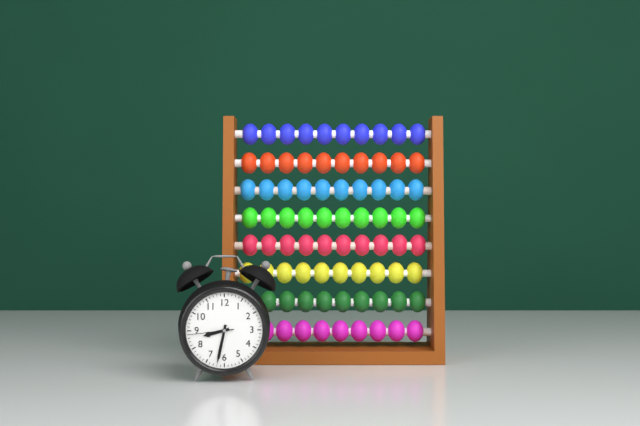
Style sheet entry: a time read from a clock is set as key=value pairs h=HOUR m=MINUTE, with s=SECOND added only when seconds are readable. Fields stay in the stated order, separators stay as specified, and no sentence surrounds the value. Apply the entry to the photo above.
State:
h=8 m=32
